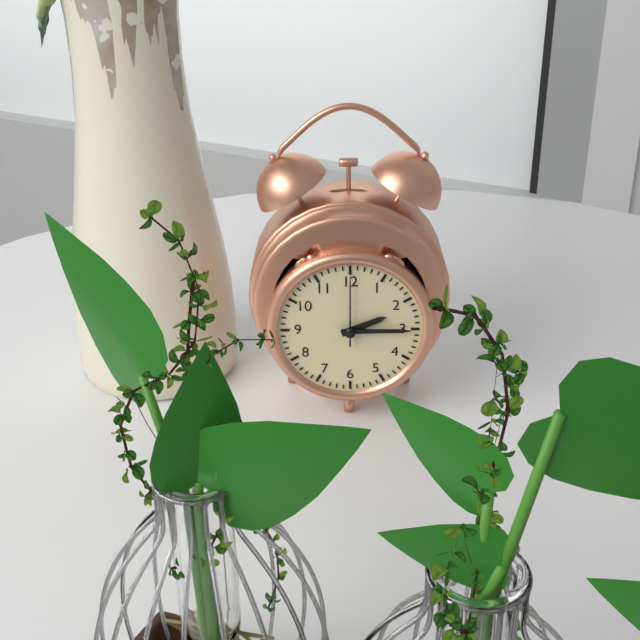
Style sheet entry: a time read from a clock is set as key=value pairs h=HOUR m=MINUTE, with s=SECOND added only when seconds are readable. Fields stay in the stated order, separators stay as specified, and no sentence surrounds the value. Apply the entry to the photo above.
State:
h=2 m=15 s=0
